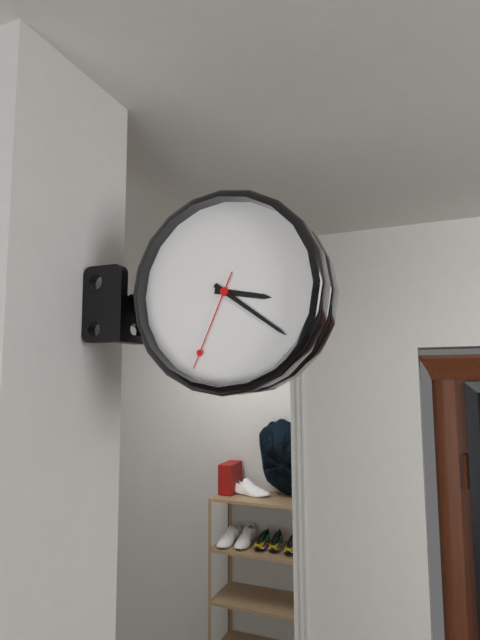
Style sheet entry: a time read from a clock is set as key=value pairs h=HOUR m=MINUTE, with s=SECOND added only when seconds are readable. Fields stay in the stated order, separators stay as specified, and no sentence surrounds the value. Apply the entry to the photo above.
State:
h=3 m=21 s=34
